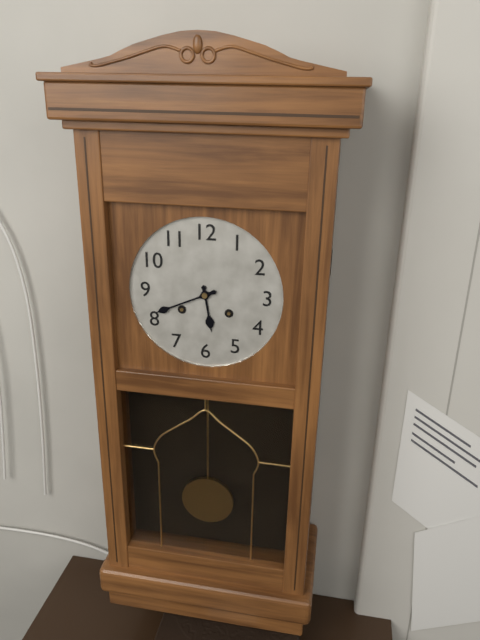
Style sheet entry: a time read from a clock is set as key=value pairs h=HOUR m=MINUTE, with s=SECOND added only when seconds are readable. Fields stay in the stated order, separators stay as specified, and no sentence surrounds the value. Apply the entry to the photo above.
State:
h=5 m=41
